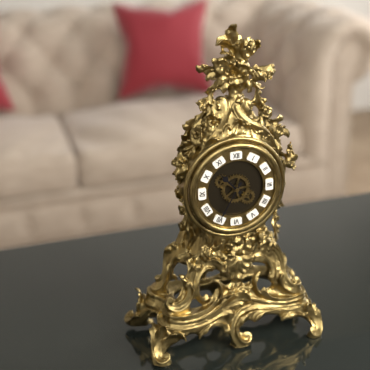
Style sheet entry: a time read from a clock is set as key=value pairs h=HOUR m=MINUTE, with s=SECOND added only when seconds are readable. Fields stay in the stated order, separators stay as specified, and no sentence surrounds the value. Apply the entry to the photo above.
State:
h=10 m=35
